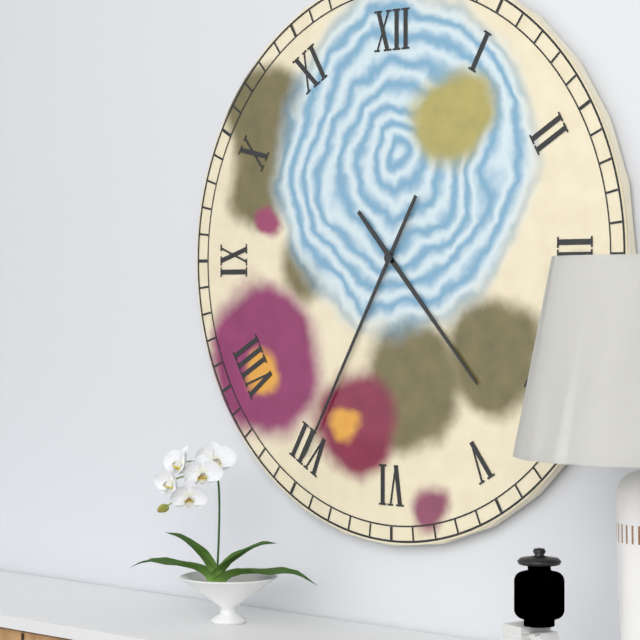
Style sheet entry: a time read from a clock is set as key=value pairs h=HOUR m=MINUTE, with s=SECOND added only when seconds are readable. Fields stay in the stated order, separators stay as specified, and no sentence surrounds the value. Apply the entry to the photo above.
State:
h=4 m=35
